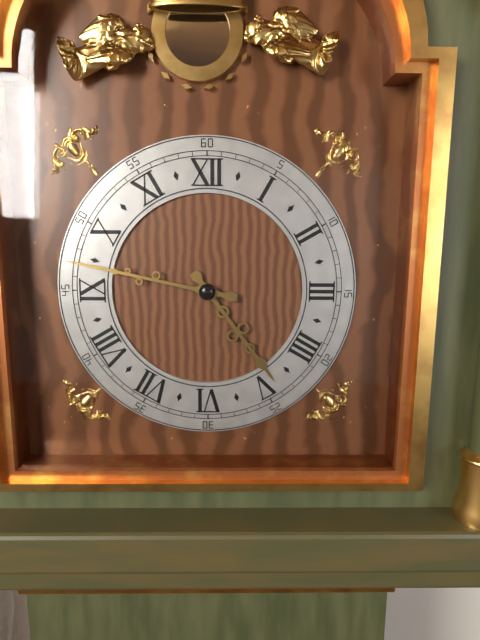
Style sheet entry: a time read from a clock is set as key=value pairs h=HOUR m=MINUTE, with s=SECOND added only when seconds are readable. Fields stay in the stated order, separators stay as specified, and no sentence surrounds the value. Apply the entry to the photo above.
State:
h=4 m=47
